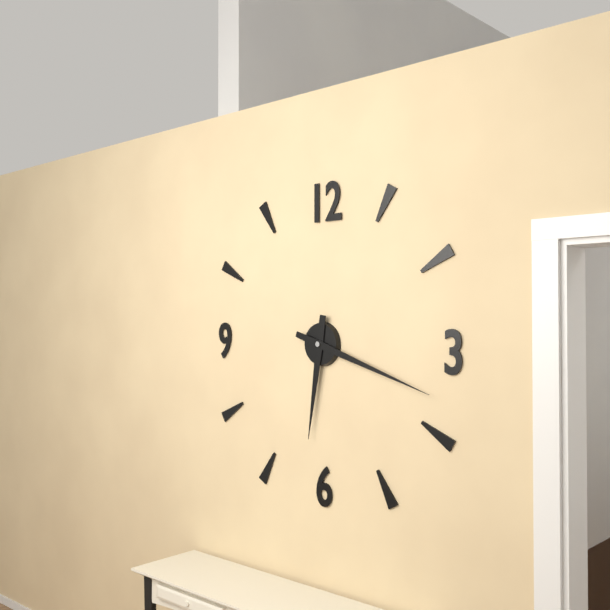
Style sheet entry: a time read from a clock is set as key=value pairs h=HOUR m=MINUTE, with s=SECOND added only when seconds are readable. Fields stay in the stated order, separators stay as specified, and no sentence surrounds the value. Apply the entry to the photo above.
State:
h=6 m=18
